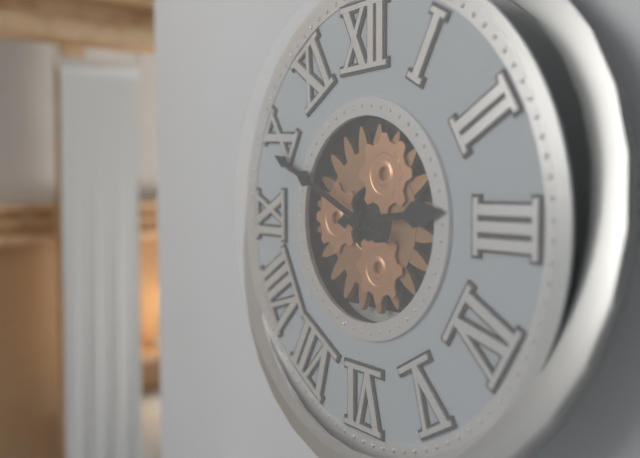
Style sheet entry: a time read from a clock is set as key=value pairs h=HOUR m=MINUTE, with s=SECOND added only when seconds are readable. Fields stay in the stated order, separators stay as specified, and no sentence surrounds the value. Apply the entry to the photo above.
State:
h=2 m=49
